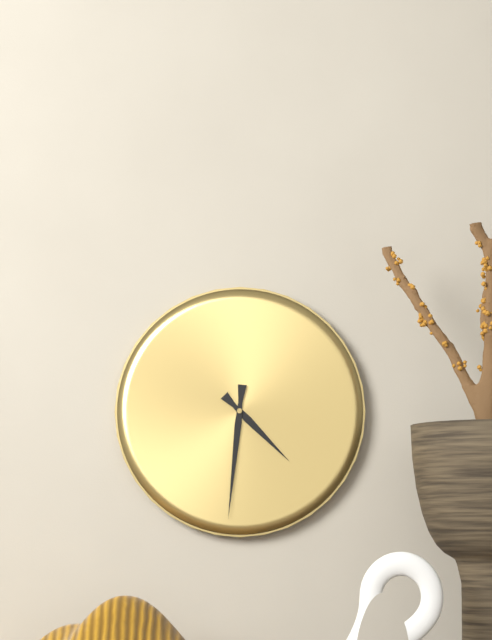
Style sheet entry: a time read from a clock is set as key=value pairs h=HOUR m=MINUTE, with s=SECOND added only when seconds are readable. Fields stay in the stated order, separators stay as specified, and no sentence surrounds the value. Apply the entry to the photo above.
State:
h=4 m=31
